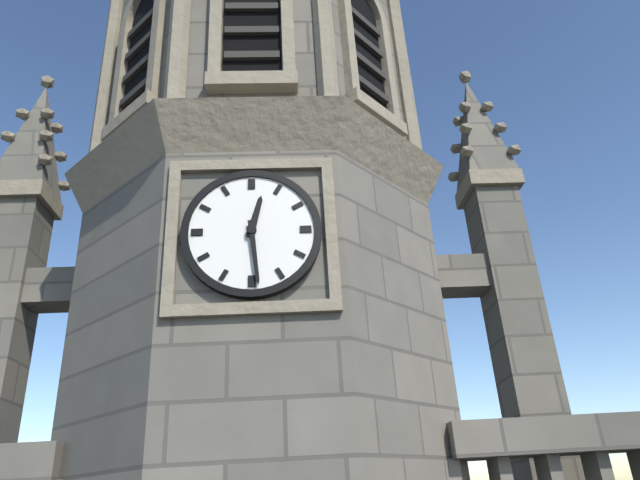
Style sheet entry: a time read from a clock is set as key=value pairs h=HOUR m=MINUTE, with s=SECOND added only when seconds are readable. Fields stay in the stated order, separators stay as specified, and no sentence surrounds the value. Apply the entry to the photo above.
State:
h=12 m=29
